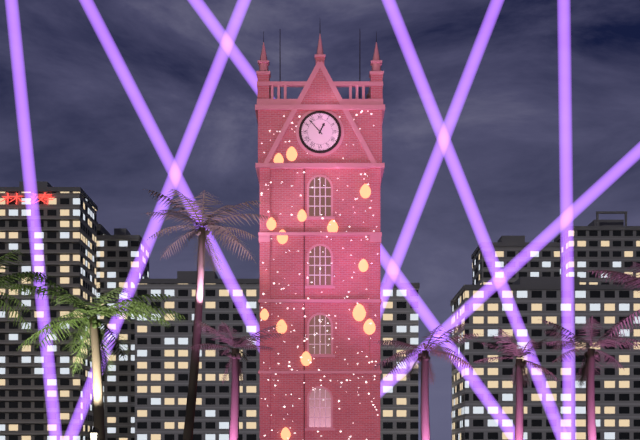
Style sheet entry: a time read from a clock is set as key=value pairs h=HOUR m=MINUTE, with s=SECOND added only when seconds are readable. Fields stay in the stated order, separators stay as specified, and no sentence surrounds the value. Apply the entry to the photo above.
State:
h=12 m=53
